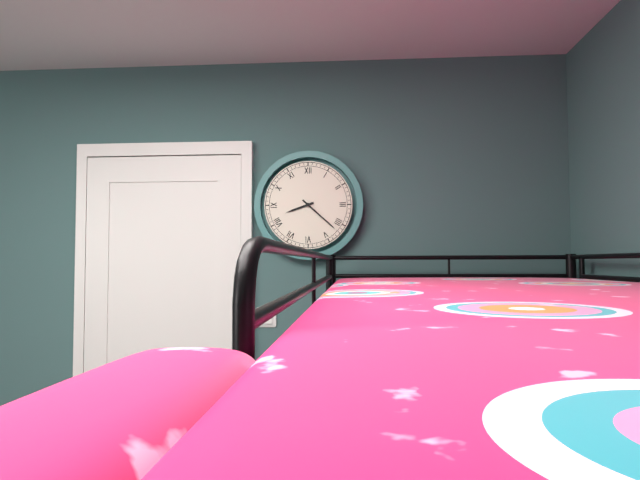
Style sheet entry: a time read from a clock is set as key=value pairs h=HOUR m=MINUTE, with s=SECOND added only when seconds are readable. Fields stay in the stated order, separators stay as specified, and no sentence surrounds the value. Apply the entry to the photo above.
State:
h=8 m=22
